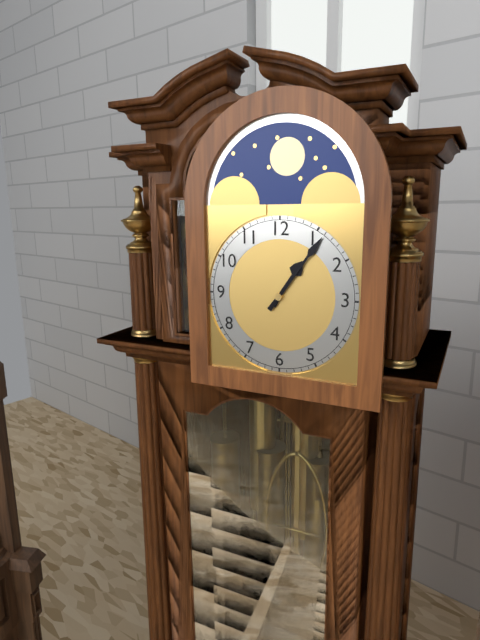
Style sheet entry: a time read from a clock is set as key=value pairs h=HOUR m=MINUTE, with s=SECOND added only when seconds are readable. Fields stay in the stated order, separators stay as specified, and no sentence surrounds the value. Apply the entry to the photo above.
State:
h=1 m=6
